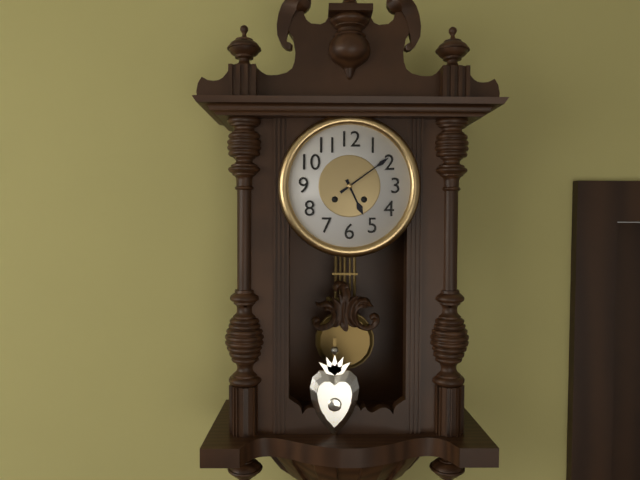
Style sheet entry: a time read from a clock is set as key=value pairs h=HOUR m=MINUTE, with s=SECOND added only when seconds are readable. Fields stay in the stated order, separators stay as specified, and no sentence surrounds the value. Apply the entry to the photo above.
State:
h=5 m=9
